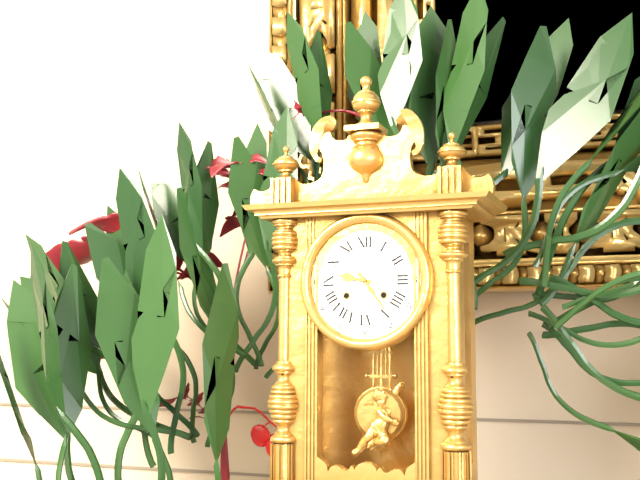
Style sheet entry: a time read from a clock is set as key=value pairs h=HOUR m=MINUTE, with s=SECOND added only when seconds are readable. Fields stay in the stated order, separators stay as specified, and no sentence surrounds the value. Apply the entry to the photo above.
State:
h=9 m=24
